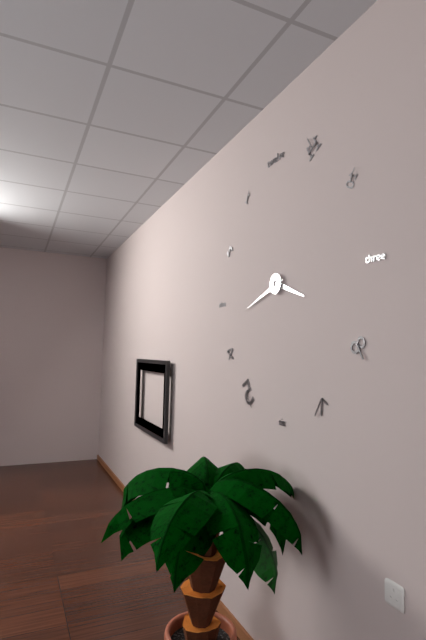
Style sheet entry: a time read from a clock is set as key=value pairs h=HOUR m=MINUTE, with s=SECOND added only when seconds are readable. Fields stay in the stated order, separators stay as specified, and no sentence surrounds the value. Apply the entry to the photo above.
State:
h=3 m=42
